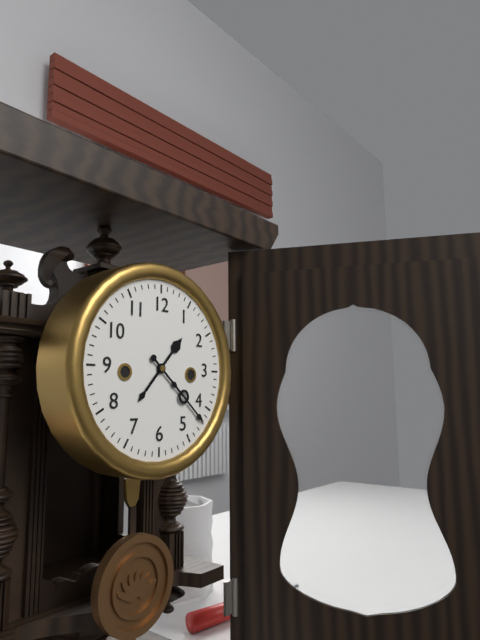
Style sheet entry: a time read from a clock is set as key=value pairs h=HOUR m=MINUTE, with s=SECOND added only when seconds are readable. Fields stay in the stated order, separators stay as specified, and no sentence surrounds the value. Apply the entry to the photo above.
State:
h=1 m=22
